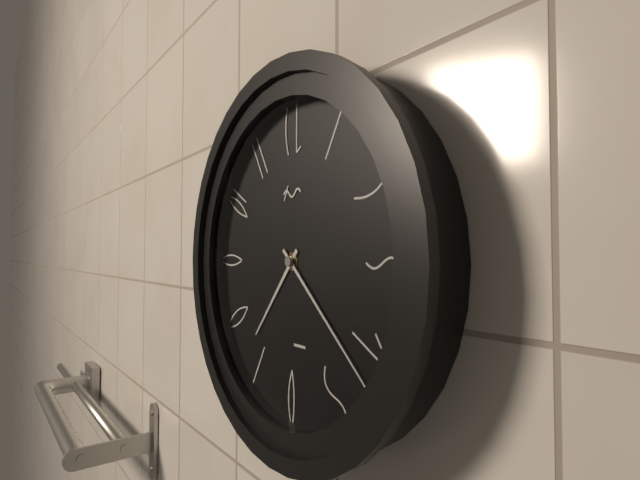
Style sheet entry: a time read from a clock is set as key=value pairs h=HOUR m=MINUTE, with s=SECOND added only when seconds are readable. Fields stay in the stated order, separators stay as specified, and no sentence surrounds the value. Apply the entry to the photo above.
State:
h=7 m=22
